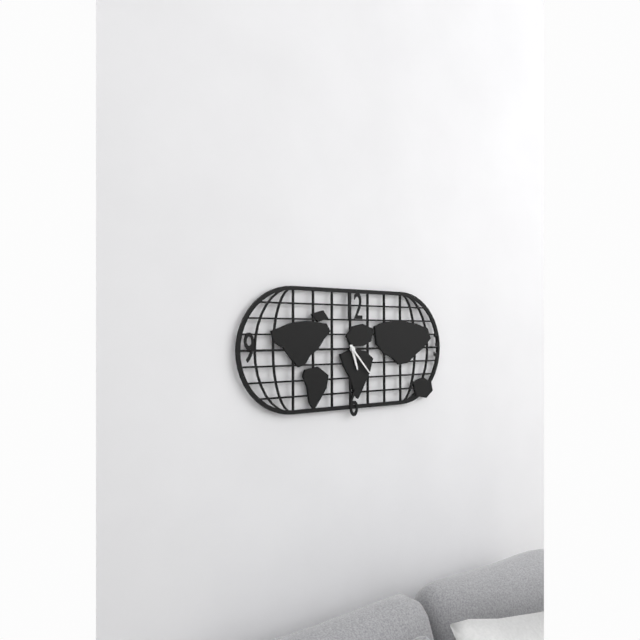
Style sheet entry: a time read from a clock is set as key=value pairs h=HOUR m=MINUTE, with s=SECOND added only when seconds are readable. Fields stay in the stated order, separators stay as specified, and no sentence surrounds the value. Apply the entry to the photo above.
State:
h=5 m=23
